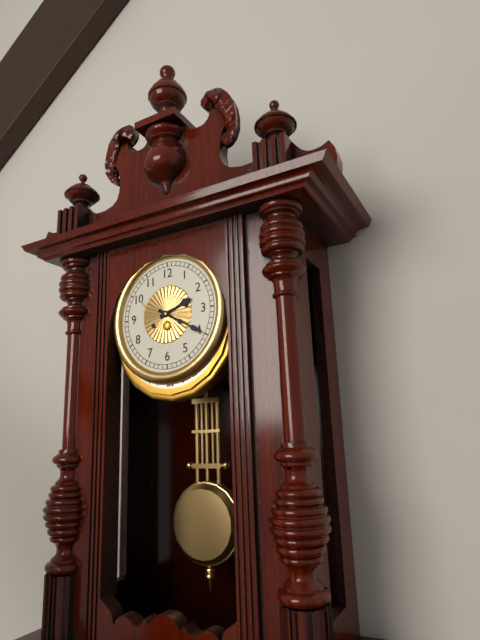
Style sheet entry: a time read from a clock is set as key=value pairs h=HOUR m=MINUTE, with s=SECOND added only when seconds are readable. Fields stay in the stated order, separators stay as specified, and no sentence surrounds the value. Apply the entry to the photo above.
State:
h=2 m=20
